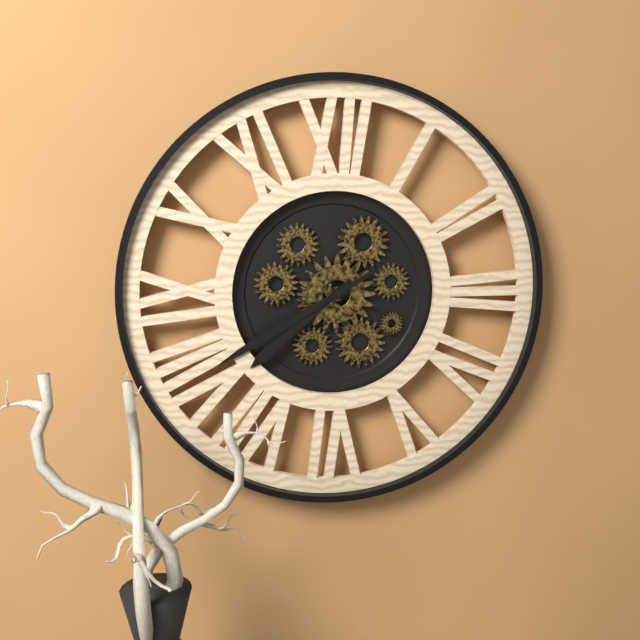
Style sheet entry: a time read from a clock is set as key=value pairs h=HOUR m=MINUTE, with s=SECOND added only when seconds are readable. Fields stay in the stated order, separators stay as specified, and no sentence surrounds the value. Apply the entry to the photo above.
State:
h=7 m=40
